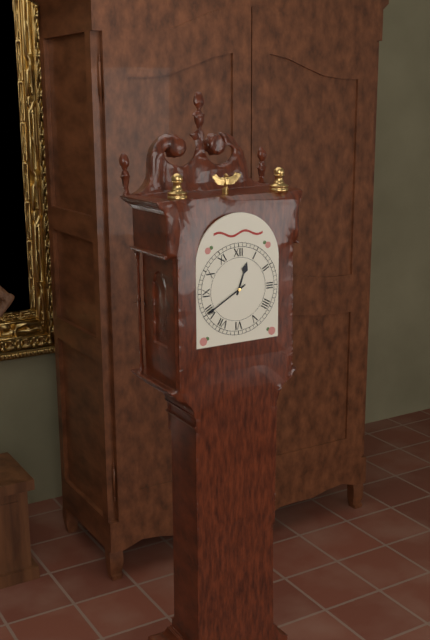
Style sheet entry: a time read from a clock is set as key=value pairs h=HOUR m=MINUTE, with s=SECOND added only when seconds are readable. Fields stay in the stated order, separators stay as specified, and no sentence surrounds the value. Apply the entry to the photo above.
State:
h=12 m=40
